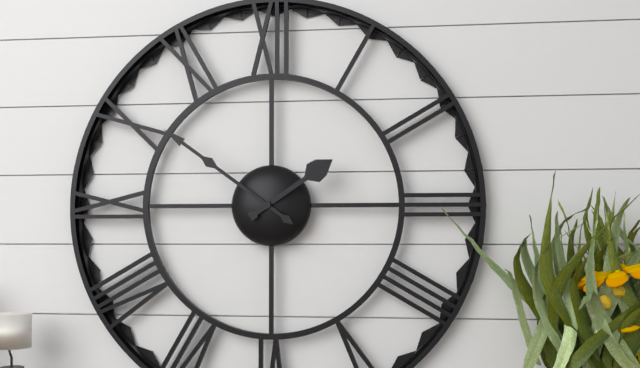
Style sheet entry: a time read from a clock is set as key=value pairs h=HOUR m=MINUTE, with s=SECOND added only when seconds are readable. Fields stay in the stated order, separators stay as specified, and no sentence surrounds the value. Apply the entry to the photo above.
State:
h=1 m=51
